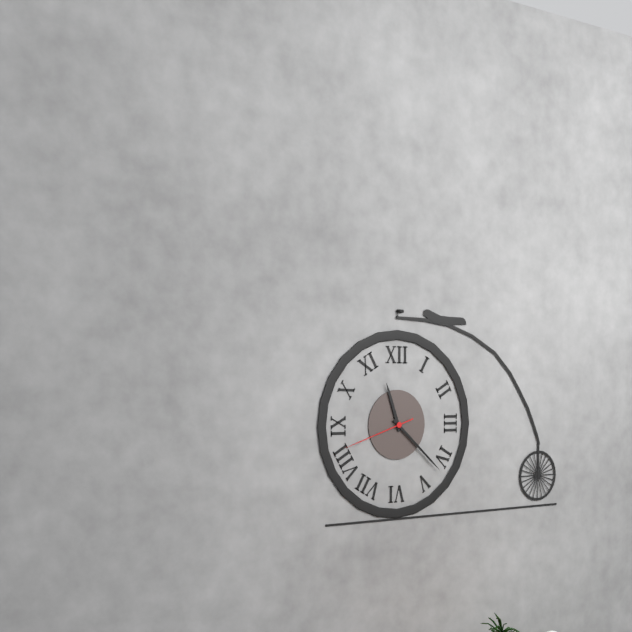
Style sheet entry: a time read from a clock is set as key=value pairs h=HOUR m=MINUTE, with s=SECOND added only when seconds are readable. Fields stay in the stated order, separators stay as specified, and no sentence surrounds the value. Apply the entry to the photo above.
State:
h=11 m=22 s=42
